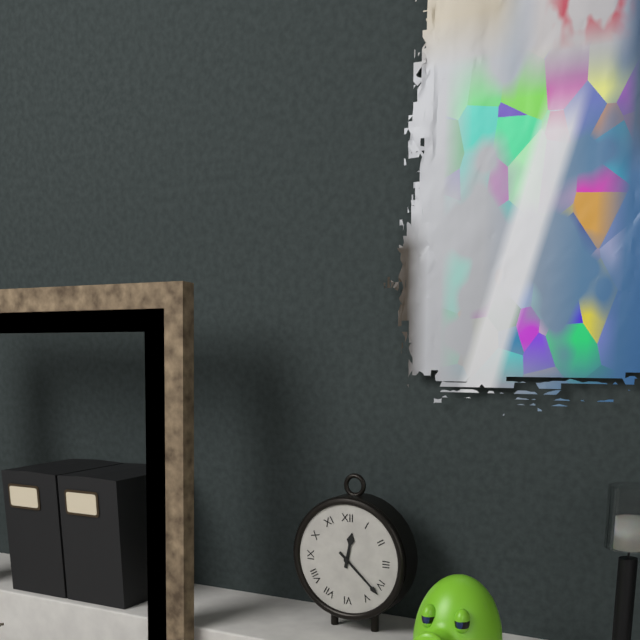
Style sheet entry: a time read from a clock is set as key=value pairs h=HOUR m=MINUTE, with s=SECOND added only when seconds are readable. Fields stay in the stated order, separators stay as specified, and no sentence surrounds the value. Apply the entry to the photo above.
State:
h=12 m=22
